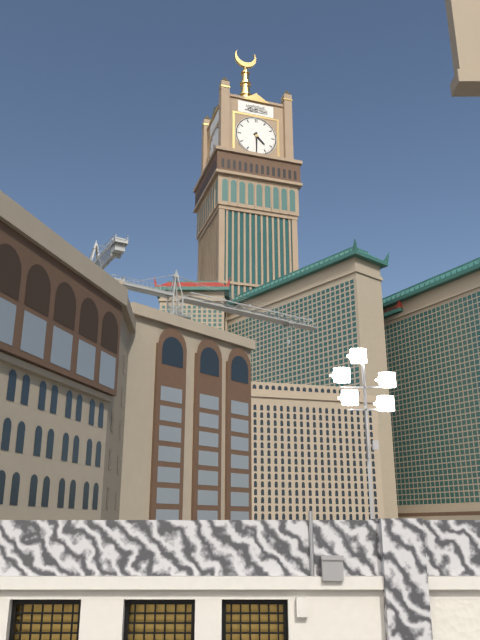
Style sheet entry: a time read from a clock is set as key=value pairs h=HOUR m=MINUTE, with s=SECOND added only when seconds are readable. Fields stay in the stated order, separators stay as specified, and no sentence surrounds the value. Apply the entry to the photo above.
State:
h=4 m=30
